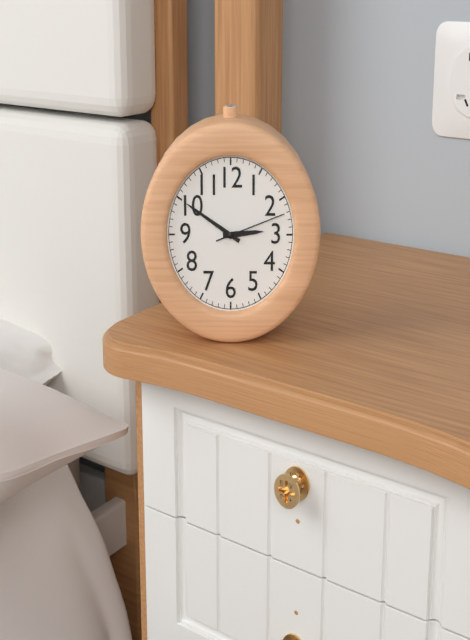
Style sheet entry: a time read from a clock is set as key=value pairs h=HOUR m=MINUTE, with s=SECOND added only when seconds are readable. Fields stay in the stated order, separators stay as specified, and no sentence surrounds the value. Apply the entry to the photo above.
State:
h=2 m=50 s=12
